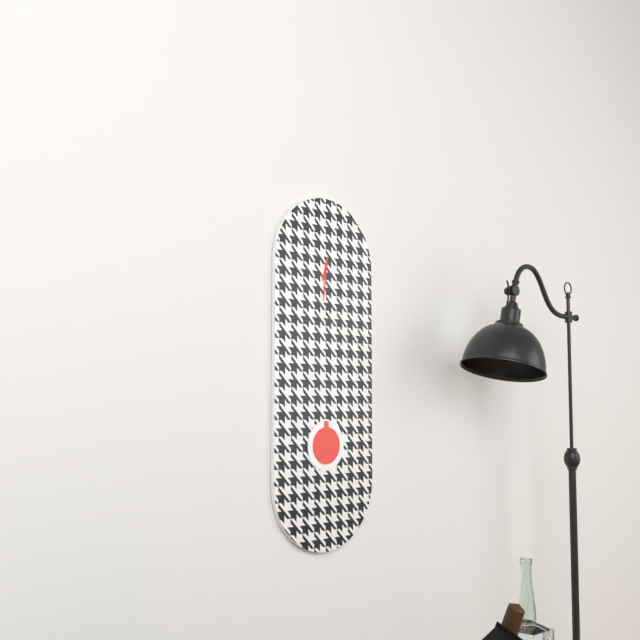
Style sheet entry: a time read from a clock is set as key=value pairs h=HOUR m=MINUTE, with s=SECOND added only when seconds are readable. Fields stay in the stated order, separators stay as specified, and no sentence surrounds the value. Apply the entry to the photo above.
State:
h=6 m=31
